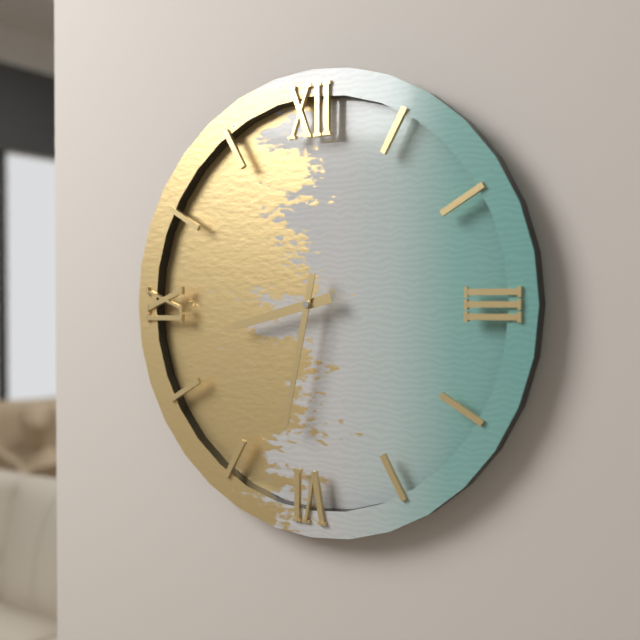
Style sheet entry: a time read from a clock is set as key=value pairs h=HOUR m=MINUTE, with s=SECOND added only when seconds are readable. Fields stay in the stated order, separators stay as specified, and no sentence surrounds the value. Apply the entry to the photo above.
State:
h=8 m=32
